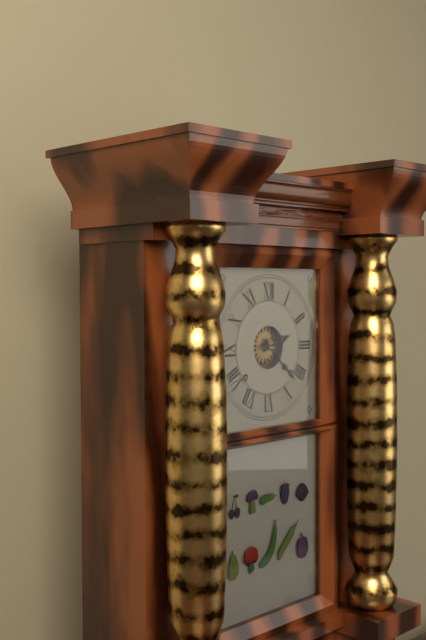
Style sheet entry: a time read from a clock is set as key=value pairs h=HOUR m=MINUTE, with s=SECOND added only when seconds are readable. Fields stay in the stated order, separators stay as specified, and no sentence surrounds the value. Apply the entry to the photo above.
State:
h=2 m=22
